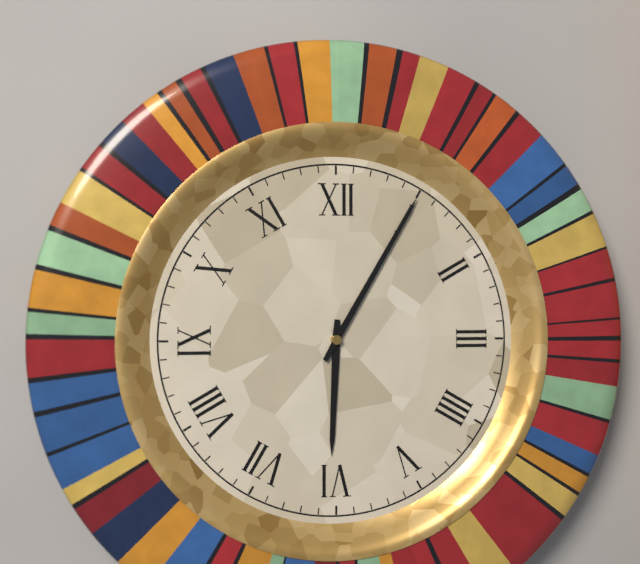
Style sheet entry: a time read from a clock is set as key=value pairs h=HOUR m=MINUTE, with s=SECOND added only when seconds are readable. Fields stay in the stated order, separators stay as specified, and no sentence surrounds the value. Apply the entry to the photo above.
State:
h=6 m=5
